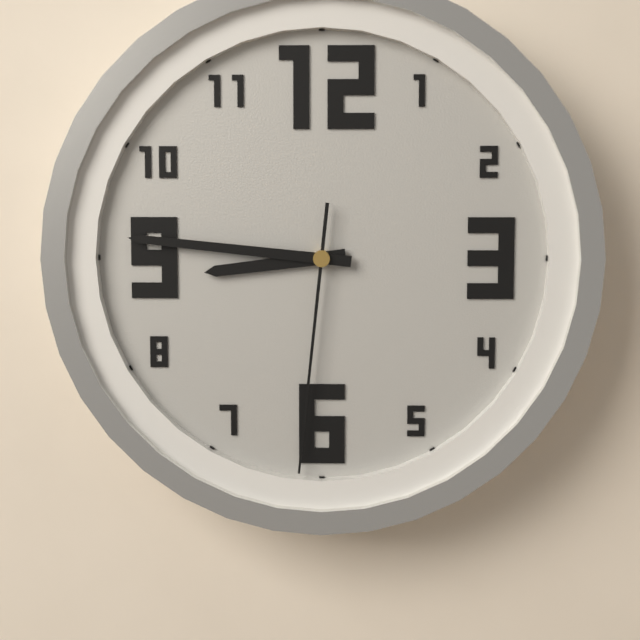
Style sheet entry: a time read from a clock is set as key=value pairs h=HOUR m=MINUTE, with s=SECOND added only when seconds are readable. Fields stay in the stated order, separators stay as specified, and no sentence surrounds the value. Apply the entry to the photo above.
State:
h=8 m=46 s=31
